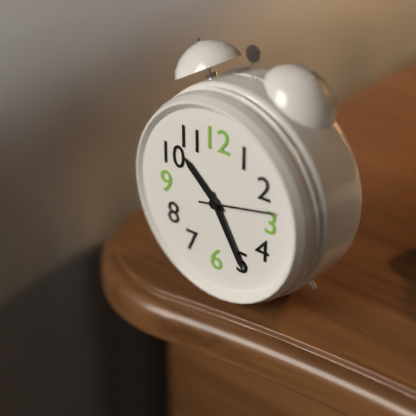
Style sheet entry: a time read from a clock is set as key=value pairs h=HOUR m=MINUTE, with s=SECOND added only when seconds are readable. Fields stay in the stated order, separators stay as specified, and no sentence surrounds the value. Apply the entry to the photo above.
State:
h=10 m=25 s=13
